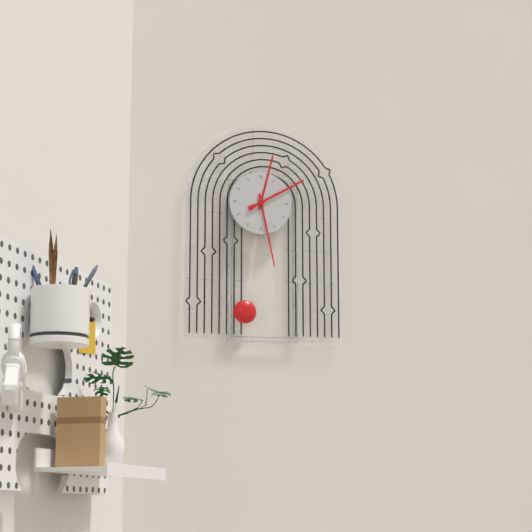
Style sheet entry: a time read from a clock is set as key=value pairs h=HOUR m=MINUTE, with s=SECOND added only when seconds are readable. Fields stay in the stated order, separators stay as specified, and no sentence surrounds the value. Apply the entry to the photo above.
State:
h=12 m=28 s=10
